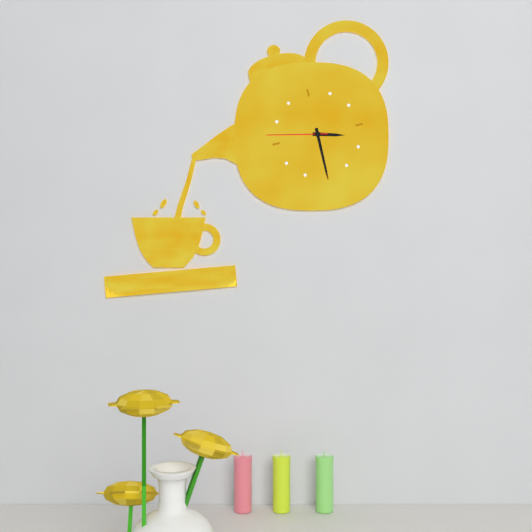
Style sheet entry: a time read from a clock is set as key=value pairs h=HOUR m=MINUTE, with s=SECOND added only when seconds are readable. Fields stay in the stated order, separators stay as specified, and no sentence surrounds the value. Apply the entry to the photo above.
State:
h=3 m=30 s=47
